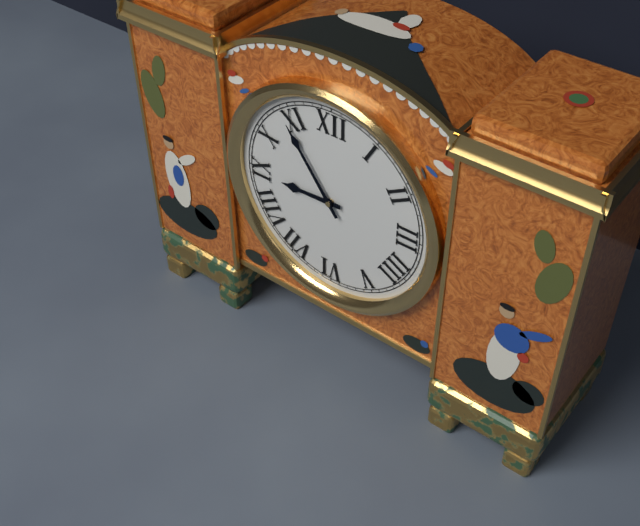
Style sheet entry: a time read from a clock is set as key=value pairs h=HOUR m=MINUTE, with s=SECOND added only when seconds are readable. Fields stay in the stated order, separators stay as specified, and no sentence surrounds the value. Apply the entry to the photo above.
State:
h=8 m=54
